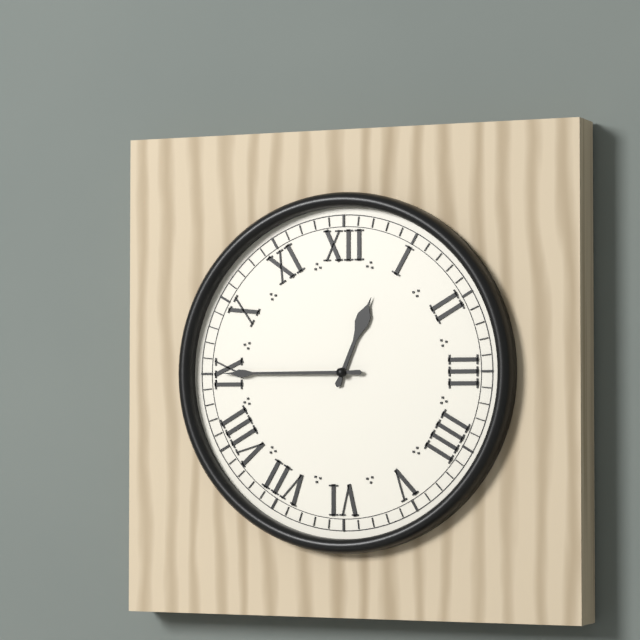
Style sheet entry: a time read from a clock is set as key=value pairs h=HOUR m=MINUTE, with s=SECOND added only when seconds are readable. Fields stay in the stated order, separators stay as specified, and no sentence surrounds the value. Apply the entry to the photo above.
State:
h=12 m=45
